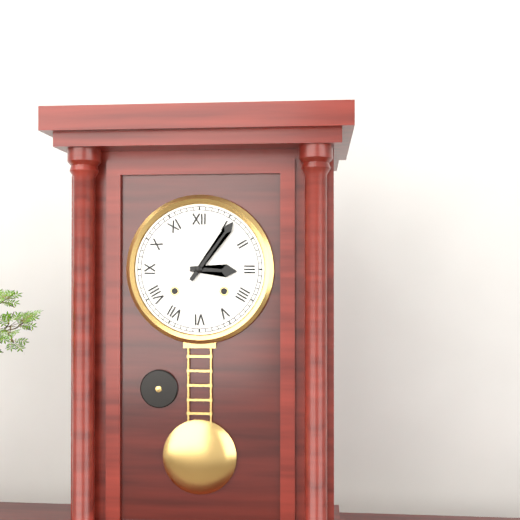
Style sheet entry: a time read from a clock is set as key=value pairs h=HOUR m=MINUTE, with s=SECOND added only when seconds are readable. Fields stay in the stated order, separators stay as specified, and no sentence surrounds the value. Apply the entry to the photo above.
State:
h=3 m=6
